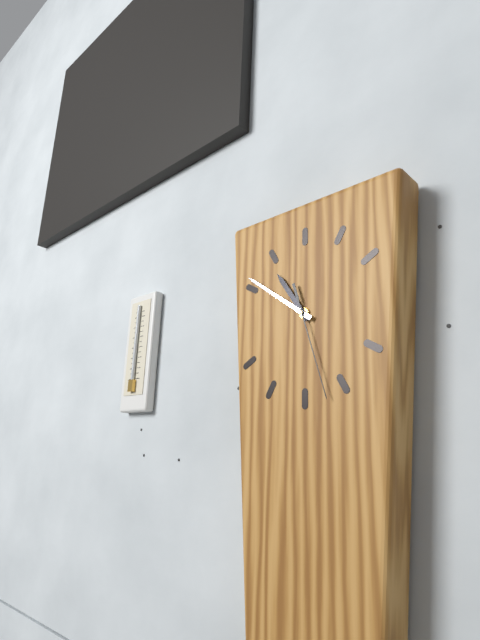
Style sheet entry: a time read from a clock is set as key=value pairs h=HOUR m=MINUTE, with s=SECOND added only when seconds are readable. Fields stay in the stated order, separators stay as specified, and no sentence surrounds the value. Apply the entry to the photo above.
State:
h=10 m=51 s=27
